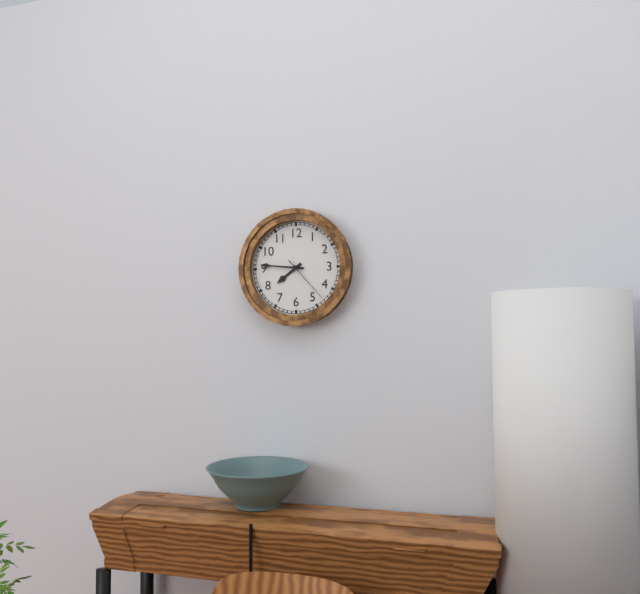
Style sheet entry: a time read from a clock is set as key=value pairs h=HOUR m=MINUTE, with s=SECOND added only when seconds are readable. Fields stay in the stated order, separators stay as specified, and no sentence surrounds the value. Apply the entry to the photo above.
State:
h=7 m=46 s=23
